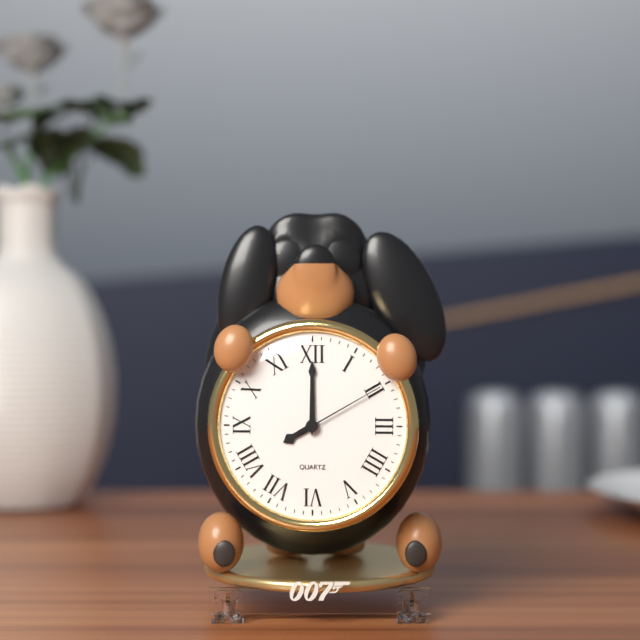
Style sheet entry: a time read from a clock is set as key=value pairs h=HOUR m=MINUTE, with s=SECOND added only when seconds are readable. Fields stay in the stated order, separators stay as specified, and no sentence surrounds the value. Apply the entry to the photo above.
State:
h=8 m=0 s=10
